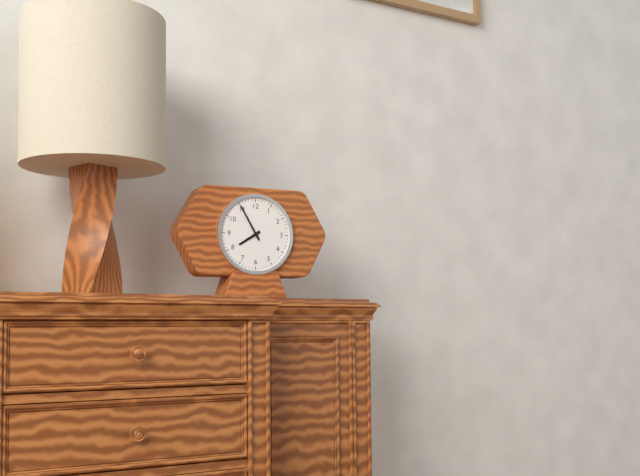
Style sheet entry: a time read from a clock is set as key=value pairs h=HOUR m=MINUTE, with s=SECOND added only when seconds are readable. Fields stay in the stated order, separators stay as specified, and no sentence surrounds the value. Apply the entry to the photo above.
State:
h=7 m=55
